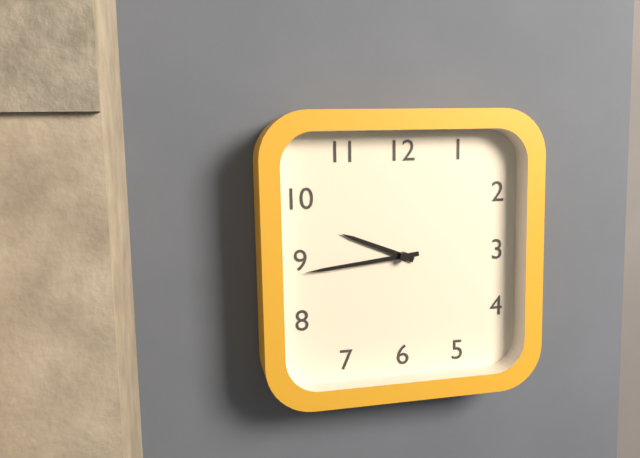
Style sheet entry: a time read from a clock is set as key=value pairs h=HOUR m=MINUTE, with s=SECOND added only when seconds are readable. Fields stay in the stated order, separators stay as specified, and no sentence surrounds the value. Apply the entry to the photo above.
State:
h=9 m=44
